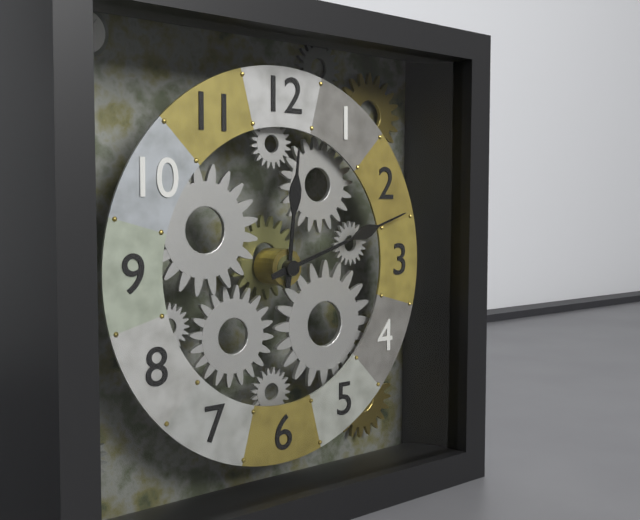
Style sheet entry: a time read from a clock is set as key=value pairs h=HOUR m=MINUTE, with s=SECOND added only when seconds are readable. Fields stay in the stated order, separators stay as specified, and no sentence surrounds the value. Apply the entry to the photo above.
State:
h=12 m=12
